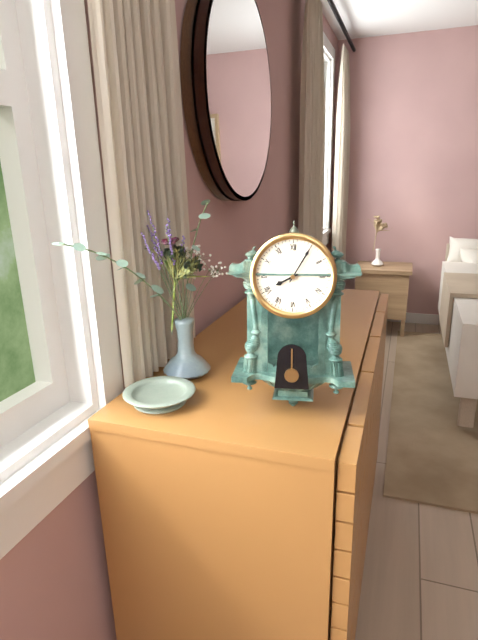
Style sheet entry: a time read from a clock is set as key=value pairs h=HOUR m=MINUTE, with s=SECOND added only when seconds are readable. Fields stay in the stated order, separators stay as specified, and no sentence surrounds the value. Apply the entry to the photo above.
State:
h=8 m=5
